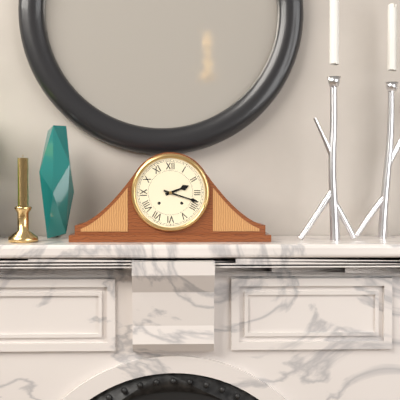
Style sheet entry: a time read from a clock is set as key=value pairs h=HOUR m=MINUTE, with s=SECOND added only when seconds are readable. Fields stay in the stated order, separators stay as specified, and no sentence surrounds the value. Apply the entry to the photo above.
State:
h=2 m=18
